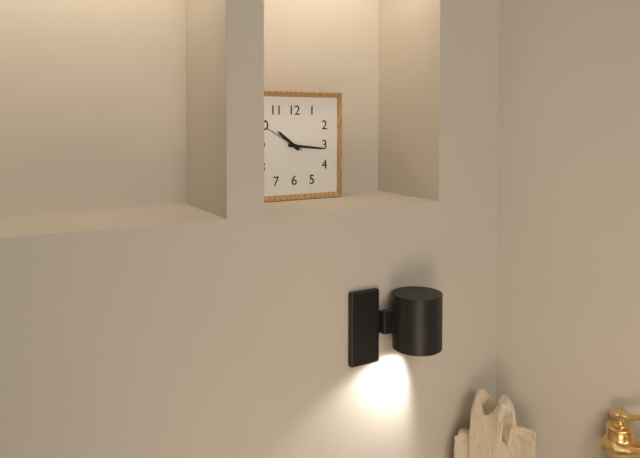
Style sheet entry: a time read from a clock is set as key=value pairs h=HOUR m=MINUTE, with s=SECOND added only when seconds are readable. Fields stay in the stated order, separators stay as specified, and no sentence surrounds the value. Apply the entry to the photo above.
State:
h=10 m=16
